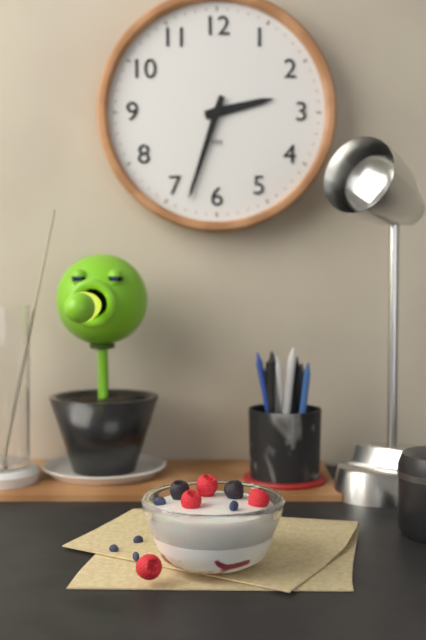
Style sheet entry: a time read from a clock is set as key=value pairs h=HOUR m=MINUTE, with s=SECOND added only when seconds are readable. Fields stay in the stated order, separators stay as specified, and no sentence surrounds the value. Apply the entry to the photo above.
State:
h=2 m=33
